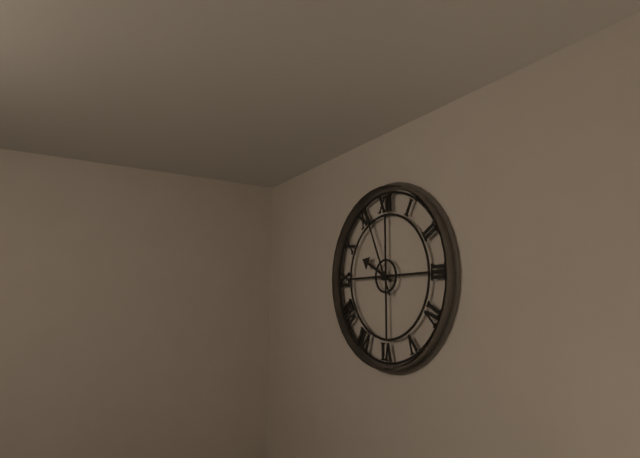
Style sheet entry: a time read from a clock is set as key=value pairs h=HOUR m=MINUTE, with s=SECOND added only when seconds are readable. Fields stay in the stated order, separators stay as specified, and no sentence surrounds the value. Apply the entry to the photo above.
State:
h=9 m=56
